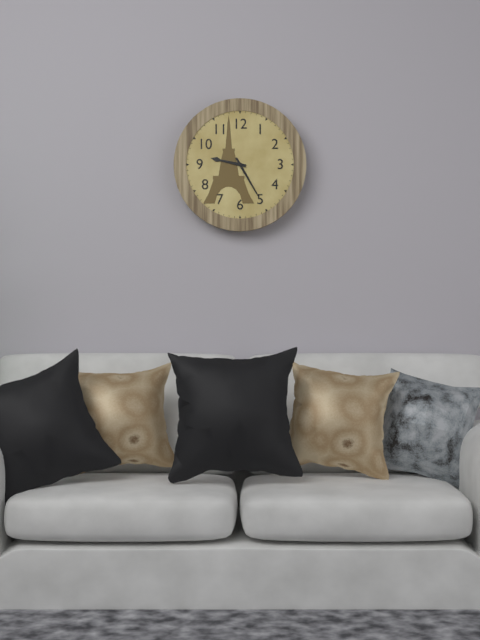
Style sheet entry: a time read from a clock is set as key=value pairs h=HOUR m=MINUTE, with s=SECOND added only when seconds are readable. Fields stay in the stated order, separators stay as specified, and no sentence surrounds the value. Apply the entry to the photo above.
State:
h=9 m=25
